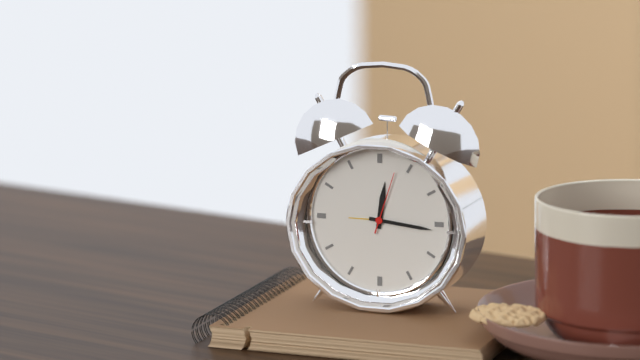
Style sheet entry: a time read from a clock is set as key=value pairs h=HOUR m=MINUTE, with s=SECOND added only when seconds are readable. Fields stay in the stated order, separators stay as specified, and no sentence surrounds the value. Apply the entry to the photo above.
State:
h=12 m=16 s=3
